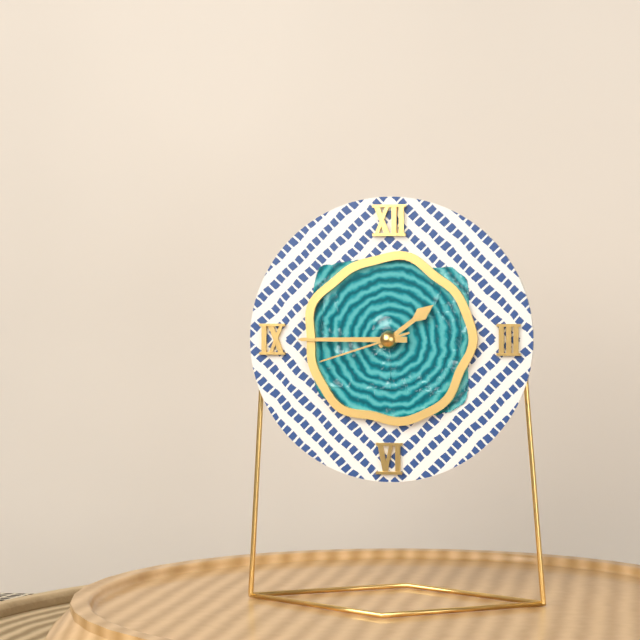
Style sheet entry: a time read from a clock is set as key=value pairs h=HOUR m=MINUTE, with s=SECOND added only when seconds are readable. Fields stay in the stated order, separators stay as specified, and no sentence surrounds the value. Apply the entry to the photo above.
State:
h=1 m=45 s=42
